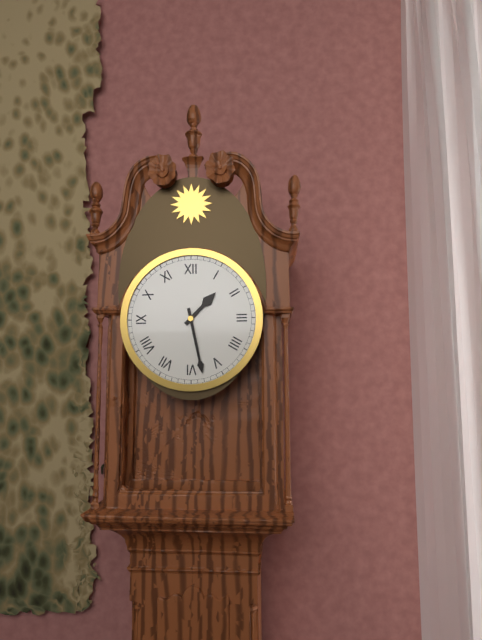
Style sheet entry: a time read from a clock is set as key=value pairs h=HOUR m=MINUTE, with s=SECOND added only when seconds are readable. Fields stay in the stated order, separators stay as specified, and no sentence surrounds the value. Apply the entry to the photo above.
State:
h=1 m=28
